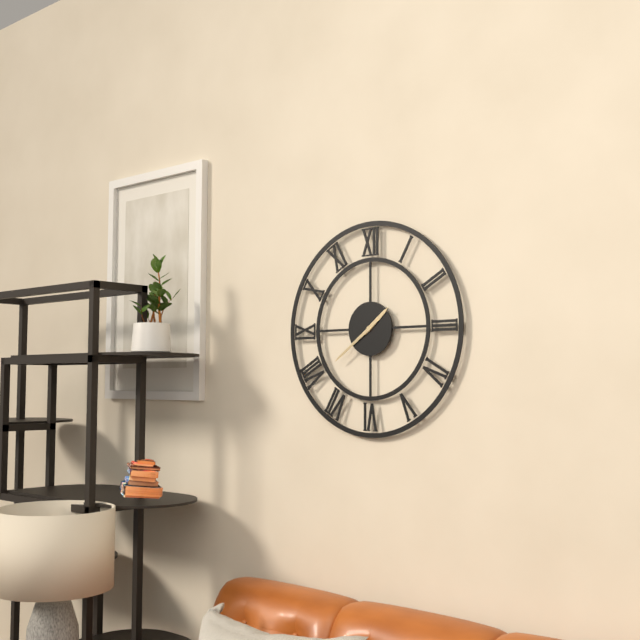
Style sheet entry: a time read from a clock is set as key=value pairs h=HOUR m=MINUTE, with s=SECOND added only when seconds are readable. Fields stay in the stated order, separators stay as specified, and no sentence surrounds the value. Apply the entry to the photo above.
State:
h=1 m=39
